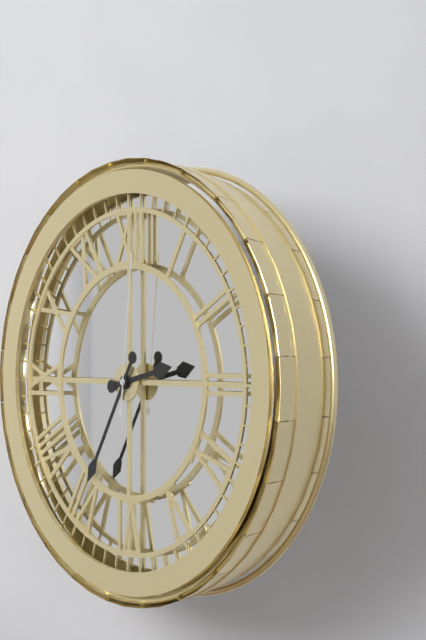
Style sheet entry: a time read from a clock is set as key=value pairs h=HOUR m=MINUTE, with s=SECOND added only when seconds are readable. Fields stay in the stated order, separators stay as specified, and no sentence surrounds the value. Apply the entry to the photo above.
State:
h=2 m=35 s=1
